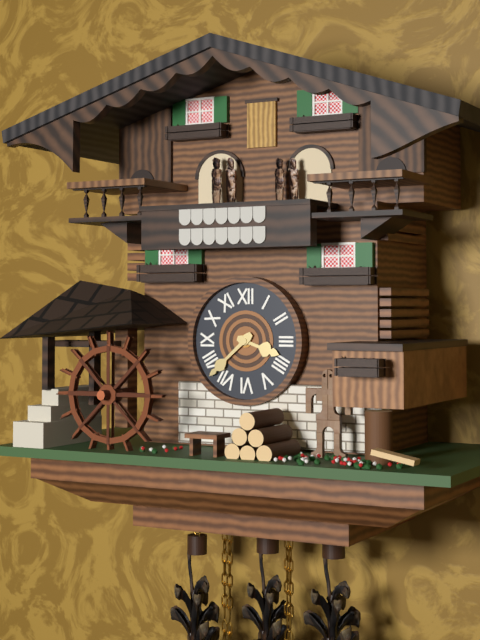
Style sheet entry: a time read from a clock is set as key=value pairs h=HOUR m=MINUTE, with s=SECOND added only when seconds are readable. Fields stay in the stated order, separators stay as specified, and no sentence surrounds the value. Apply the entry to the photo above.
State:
h=3 m=38
